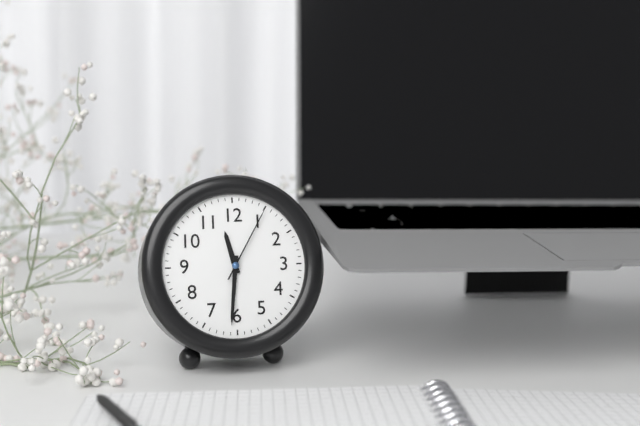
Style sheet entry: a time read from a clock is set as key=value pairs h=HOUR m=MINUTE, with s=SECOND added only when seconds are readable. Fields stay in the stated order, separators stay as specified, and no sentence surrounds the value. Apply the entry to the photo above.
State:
h=11 m=31 s=5
